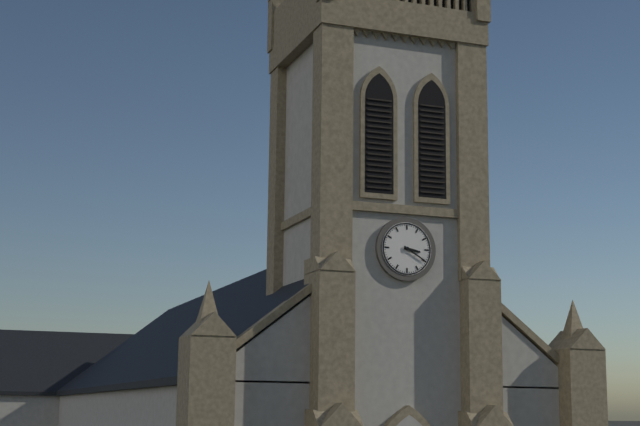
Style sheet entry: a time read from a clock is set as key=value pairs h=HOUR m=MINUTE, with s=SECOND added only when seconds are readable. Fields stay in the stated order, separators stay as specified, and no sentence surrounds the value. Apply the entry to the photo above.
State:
h=3 m=20
